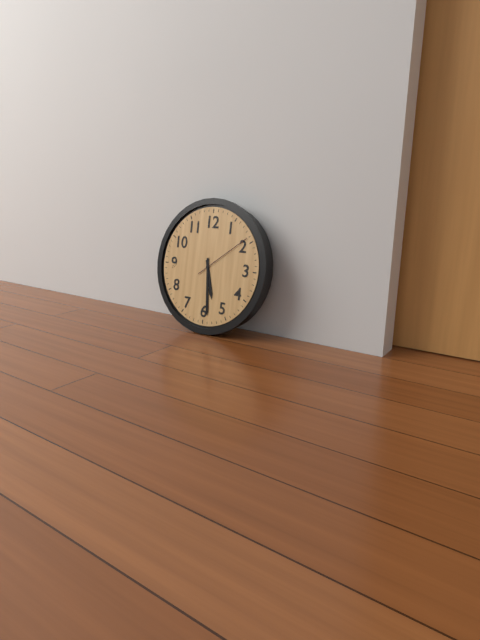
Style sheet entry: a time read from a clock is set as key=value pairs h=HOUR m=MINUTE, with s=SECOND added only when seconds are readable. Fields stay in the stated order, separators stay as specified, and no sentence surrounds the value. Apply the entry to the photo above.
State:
h=5 m=29 s=9
